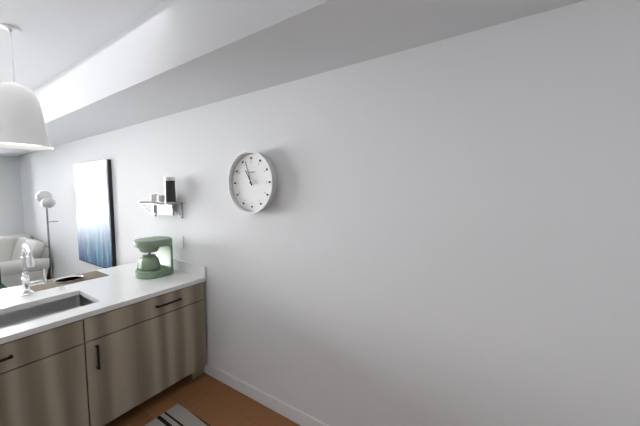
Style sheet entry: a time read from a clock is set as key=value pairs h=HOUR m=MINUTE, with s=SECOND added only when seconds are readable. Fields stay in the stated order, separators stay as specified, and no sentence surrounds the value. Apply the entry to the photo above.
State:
h=10 m=57
